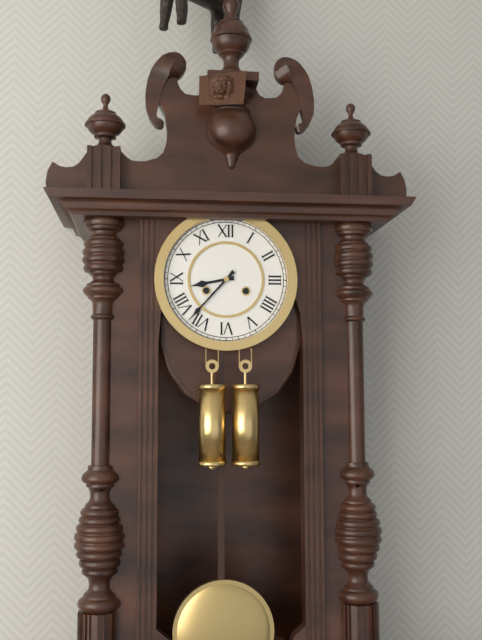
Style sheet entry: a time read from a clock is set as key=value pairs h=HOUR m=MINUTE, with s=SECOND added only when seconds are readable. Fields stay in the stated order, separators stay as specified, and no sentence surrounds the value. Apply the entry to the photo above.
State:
h=8 m=37
